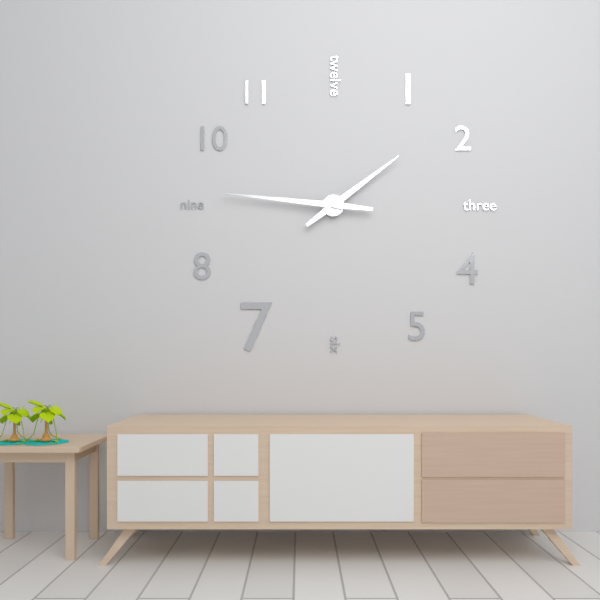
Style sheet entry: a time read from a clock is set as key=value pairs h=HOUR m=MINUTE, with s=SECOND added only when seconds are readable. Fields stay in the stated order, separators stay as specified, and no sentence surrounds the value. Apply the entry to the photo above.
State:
h=1 m=46
